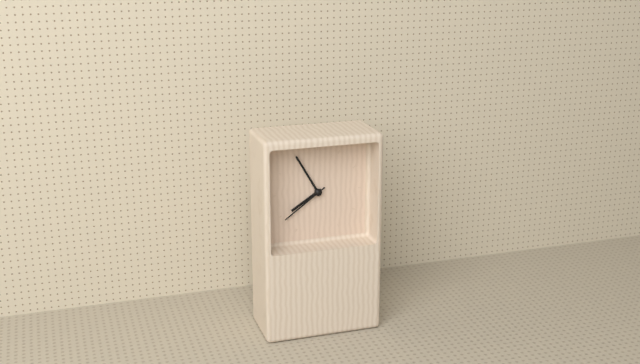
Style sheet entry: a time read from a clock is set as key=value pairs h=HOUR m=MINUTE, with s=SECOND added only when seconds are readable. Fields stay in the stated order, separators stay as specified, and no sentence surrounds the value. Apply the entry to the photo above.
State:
h=7 m=55 s=39
